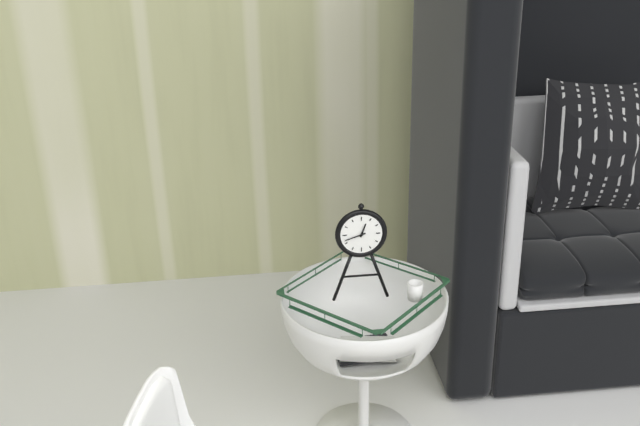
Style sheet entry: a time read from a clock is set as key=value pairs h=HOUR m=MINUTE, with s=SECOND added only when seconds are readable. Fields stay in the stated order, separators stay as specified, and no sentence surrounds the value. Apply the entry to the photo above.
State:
h=12 m=42
